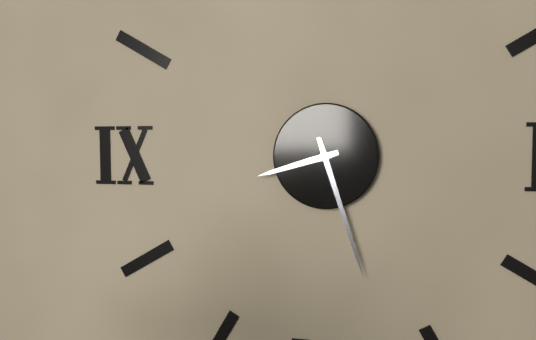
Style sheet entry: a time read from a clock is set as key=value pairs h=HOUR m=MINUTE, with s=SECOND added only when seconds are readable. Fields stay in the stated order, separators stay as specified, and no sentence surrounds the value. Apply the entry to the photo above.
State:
h=8 m=27
